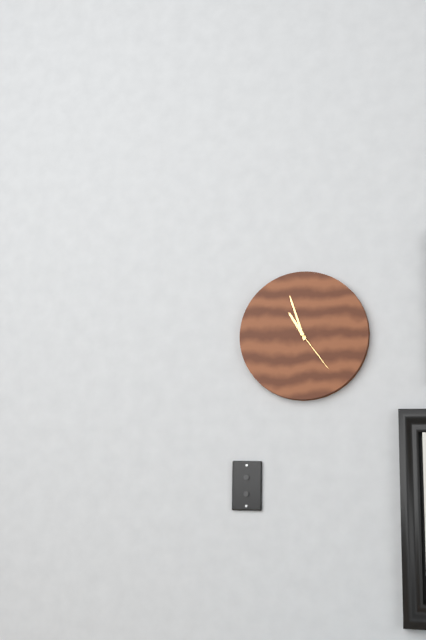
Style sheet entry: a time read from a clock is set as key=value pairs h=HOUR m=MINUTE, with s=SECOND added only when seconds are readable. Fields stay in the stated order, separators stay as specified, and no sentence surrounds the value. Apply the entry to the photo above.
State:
h=10 m=57 s=24
